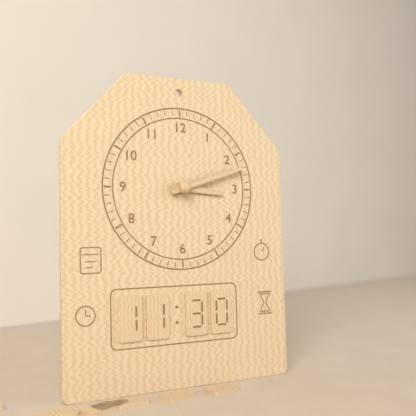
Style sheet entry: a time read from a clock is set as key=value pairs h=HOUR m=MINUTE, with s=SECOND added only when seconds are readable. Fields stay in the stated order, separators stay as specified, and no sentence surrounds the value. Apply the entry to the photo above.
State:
h=3 m=12
